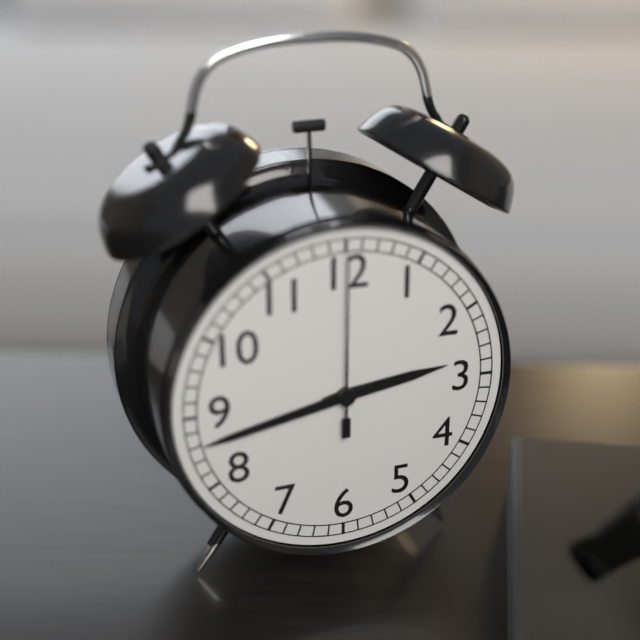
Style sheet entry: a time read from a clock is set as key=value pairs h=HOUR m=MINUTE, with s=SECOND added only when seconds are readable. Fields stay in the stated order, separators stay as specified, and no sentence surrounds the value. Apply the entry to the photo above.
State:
h=2 m=43 s=0
